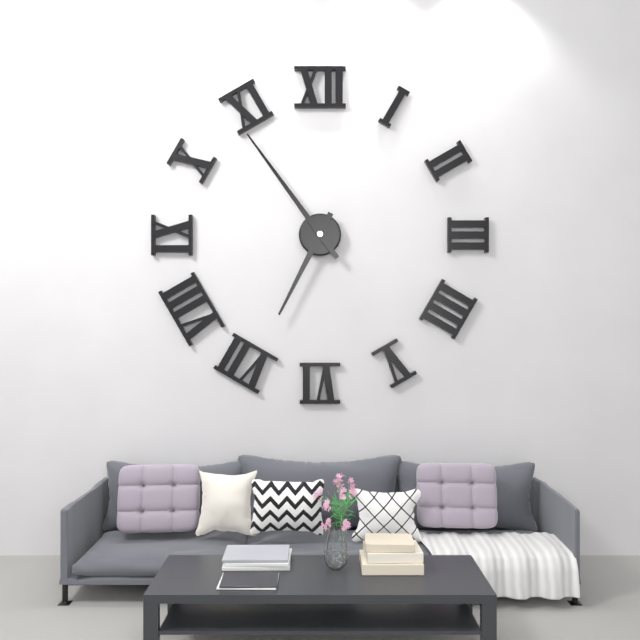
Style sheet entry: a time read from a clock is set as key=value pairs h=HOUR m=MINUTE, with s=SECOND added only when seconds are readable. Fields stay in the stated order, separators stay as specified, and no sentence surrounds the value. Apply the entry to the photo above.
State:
h=6 m=54
